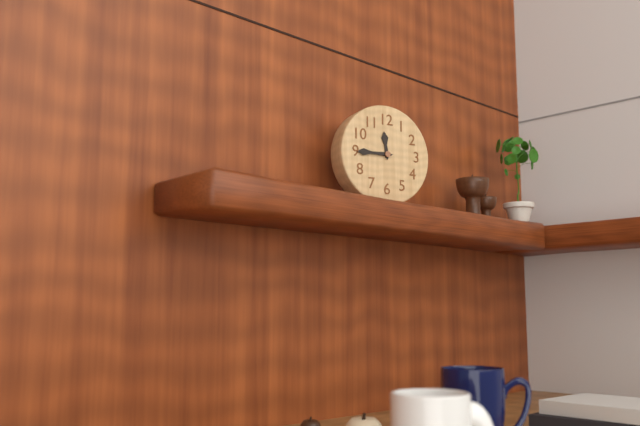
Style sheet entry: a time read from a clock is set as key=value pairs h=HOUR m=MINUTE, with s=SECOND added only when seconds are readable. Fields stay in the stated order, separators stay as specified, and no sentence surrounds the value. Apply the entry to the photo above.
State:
h=11 m=45
